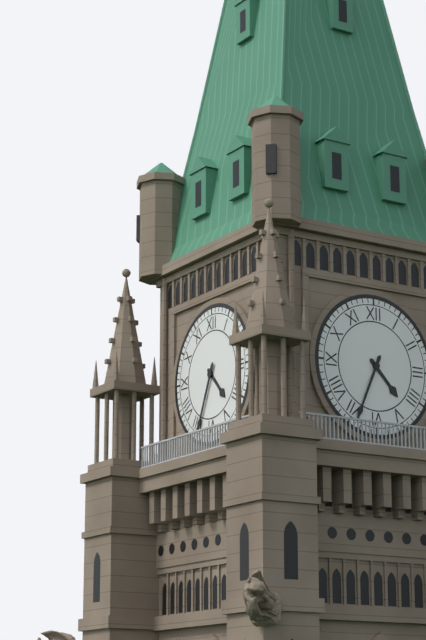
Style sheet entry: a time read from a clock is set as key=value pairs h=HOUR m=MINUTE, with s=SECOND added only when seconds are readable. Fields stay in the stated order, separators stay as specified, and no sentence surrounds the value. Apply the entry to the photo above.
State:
h=4 m=34
